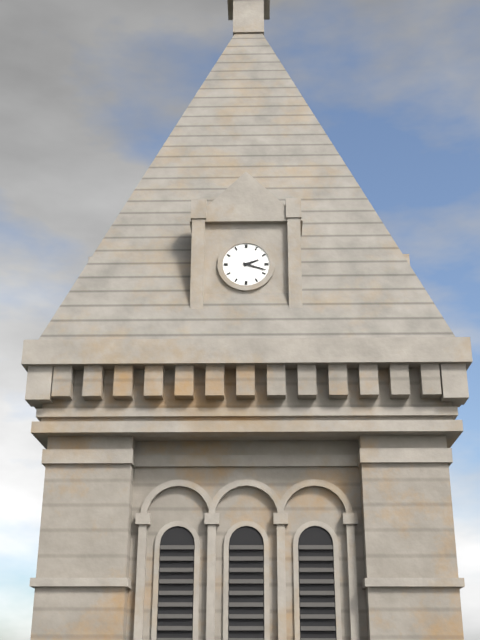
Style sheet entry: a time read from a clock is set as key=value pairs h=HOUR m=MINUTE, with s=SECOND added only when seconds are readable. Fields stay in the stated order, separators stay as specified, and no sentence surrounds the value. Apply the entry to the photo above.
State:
h=2 m=18
